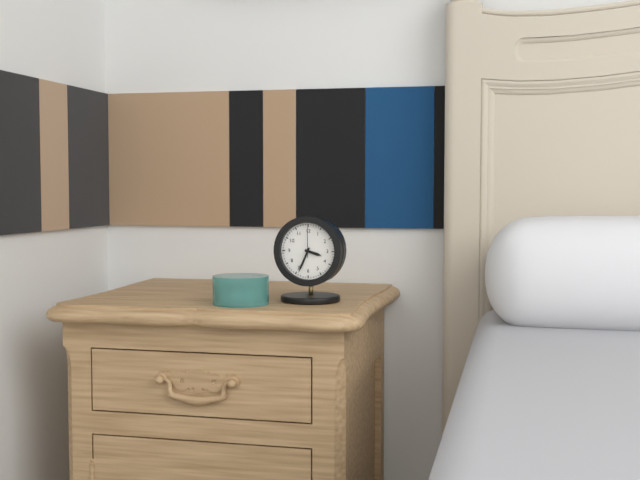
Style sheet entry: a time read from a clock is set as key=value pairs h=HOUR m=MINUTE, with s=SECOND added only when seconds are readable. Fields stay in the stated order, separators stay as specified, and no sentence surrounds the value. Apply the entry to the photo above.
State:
h=3 m=34
